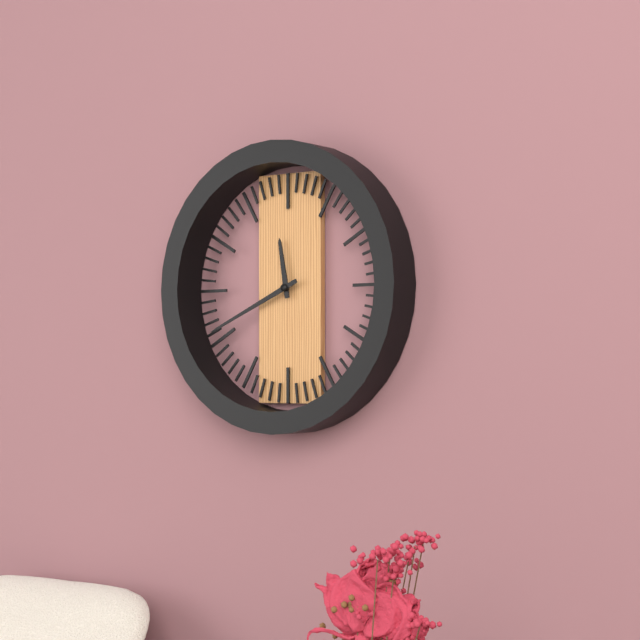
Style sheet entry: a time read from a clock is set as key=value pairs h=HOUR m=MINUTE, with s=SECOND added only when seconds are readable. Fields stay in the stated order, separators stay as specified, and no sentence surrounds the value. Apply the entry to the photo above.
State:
h=11 m=41
